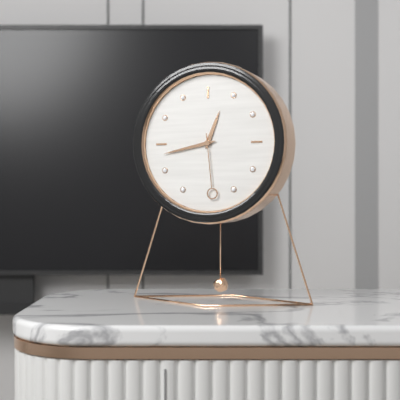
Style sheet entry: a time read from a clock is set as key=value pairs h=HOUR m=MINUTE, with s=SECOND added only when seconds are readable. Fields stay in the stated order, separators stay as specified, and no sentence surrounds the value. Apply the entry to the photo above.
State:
h=12 m=43 s=29
